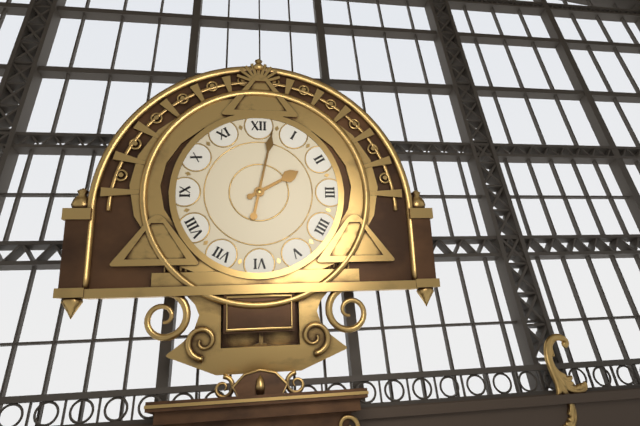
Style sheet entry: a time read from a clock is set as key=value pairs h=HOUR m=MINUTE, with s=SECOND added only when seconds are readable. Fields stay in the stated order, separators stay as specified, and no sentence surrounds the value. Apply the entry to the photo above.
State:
h=2 m=2
